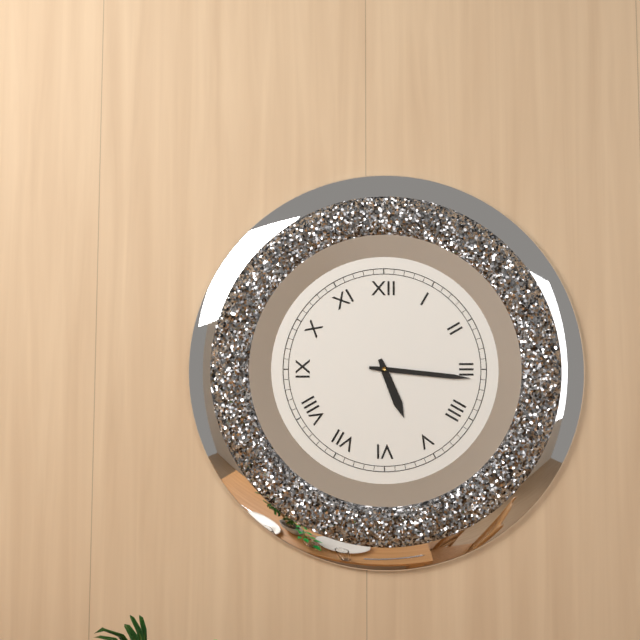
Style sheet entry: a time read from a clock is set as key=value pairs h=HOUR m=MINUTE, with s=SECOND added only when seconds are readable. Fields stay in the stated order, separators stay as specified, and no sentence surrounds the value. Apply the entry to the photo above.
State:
h=5 m=16
